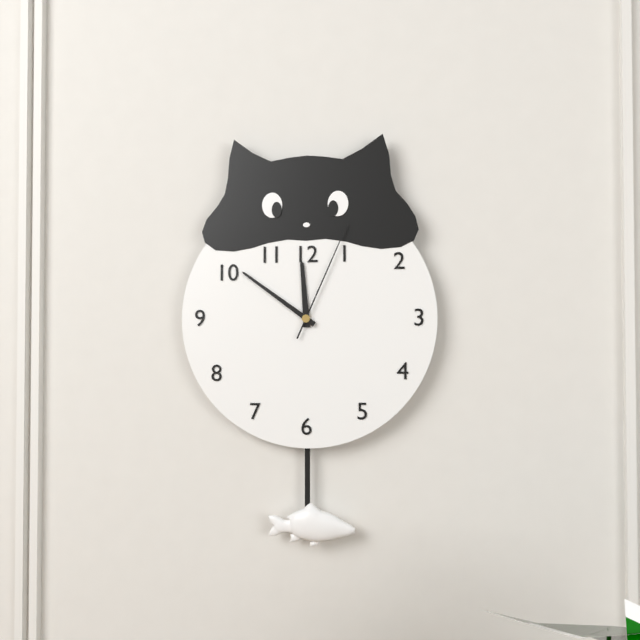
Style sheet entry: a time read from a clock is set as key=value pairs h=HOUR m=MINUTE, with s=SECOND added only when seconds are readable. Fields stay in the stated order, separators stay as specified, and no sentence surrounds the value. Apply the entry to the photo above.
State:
h=11 m=51 s=4
